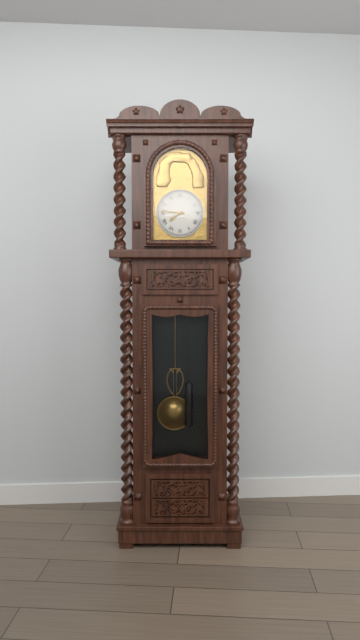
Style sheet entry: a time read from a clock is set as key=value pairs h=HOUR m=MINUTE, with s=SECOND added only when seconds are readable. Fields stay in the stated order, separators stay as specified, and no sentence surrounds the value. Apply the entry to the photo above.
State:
h=7 m=46
